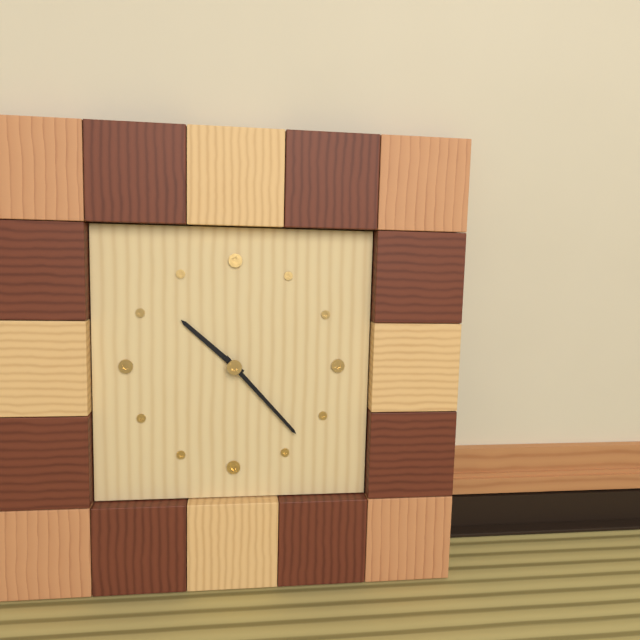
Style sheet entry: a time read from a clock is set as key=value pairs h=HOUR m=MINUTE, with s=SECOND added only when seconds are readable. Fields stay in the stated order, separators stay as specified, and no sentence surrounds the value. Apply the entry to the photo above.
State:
h=10 m=23
